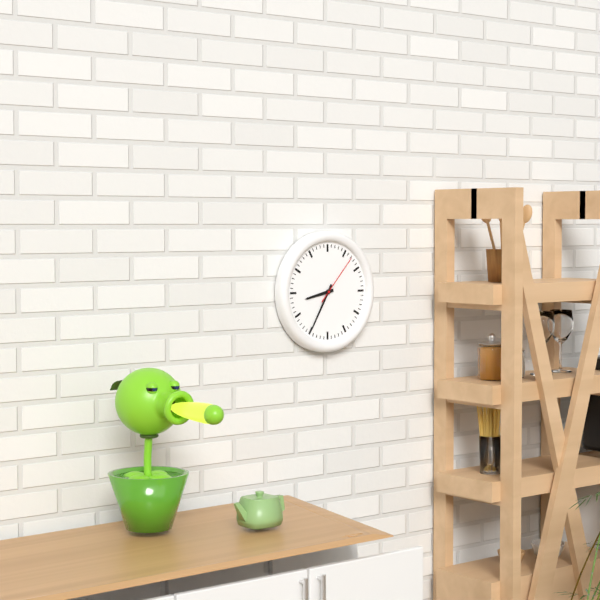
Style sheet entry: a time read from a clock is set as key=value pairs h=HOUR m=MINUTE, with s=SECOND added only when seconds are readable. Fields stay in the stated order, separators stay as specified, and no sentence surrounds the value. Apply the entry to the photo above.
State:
h=8 m=35 s=7
